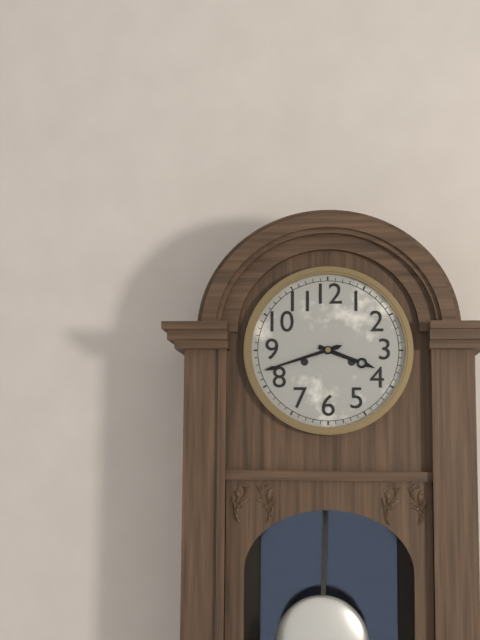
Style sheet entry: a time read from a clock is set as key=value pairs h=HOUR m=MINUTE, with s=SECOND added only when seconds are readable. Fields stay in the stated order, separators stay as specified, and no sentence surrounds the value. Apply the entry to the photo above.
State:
h=3 m=42
